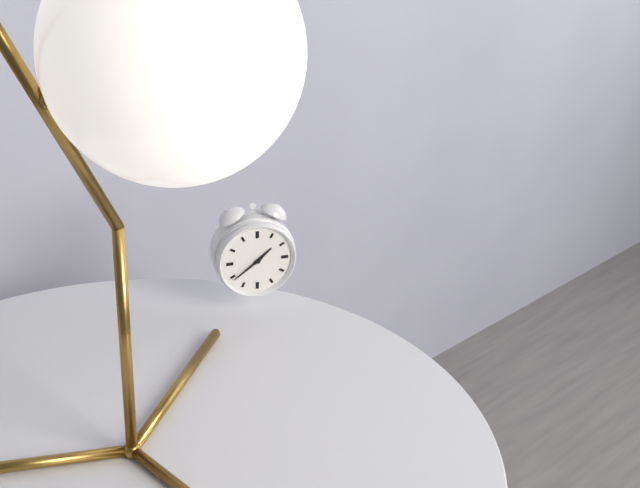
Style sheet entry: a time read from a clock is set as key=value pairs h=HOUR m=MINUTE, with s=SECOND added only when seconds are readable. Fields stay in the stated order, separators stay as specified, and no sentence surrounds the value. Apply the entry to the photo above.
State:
h=1 m=39
